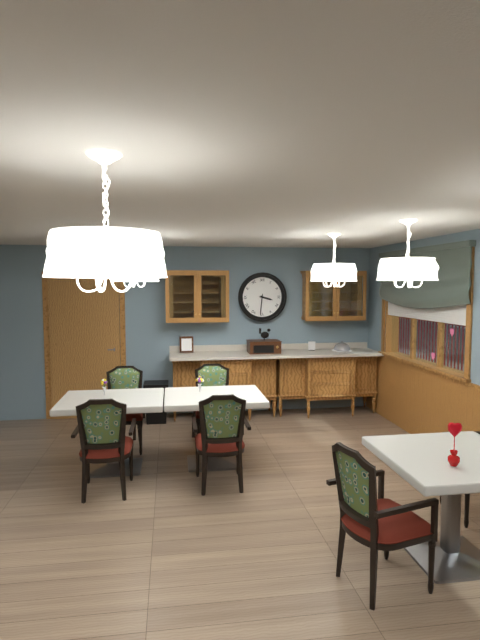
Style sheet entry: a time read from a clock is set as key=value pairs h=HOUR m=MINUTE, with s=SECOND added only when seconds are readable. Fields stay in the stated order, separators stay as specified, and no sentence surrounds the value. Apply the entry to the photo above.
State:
h=3 m=31
